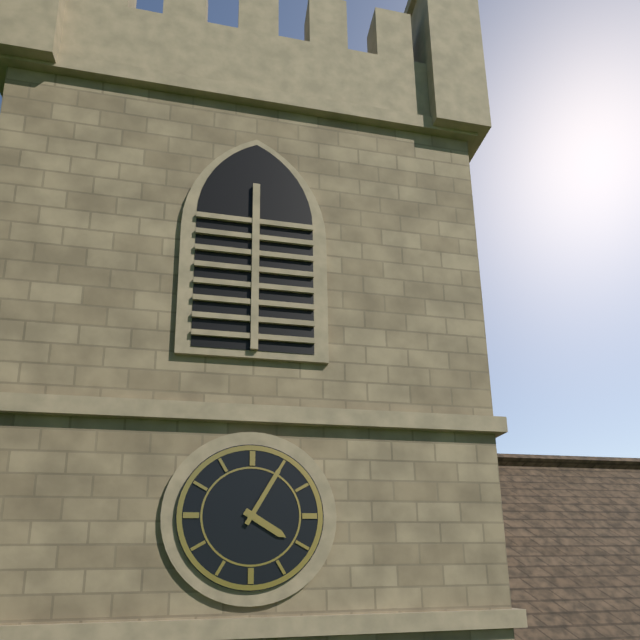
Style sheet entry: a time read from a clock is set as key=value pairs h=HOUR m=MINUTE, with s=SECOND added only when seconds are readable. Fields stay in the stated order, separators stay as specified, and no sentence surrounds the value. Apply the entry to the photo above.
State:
h=4 m=5
